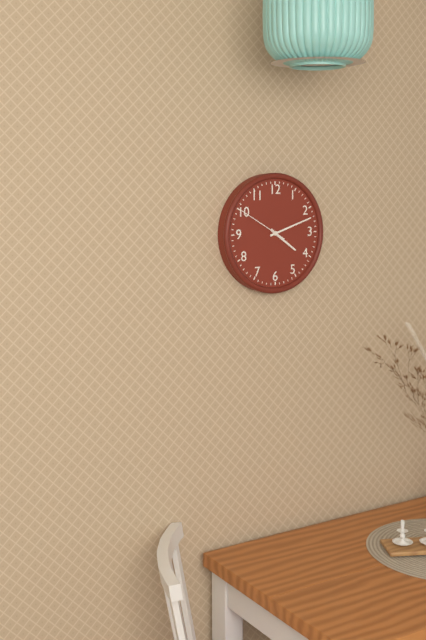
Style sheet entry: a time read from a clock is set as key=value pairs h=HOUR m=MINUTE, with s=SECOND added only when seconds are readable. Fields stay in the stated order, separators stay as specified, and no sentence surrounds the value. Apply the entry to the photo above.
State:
h=4 m=12 s=50
